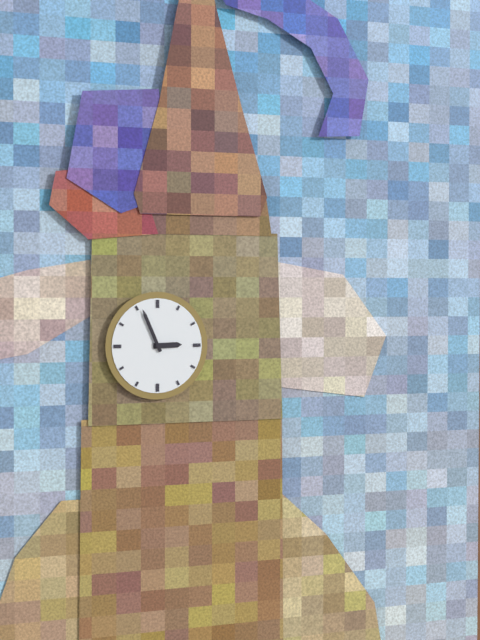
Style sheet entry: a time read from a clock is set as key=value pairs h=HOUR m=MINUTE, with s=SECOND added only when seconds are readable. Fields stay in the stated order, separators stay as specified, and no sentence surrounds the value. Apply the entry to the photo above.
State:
h=2 m=56
